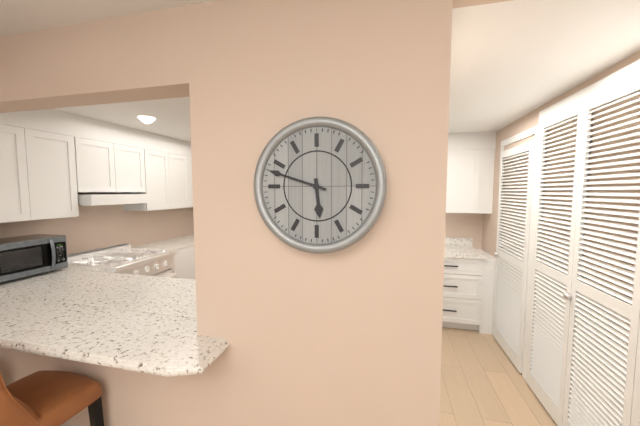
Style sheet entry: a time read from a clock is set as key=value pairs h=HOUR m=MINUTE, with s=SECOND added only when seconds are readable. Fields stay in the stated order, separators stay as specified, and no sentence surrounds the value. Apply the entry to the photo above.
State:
h=5 m=48
